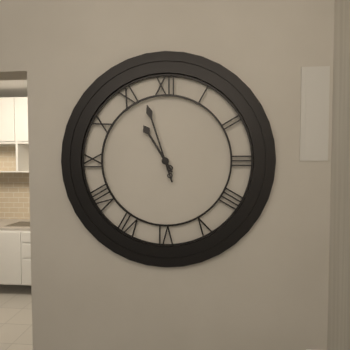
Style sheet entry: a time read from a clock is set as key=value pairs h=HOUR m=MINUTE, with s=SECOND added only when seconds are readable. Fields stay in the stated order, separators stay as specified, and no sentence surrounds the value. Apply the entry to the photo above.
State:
h=10 m=57
